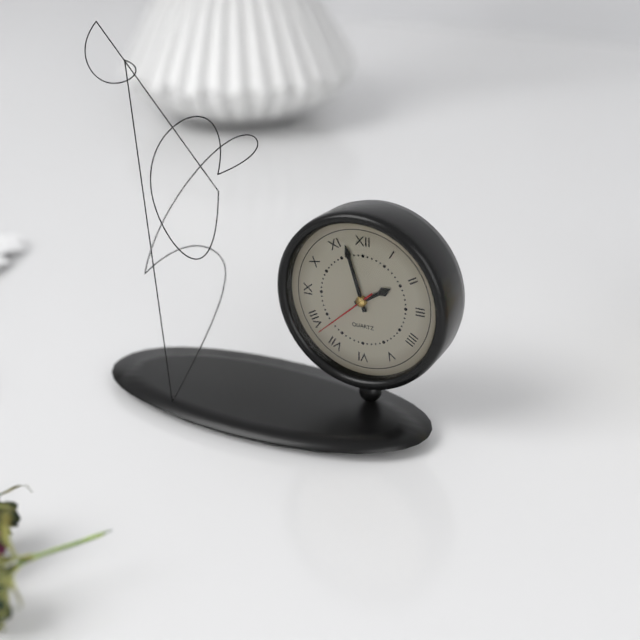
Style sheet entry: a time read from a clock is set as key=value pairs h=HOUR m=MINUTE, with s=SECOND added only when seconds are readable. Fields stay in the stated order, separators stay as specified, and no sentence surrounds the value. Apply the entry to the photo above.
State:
h=1 m=57 s=38
